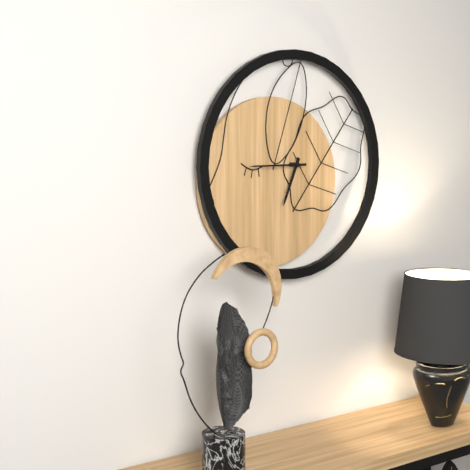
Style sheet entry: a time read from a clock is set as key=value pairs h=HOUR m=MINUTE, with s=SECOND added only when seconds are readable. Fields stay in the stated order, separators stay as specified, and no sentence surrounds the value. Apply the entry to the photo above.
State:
h=6 m=45
